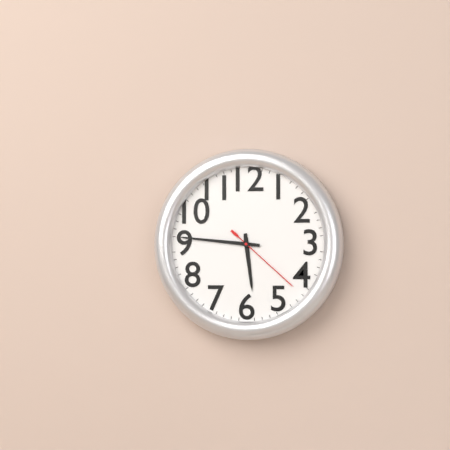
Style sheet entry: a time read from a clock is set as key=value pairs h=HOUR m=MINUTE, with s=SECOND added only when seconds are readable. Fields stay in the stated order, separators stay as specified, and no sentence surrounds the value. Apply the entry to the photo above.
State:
h=5 m=46 s=22
